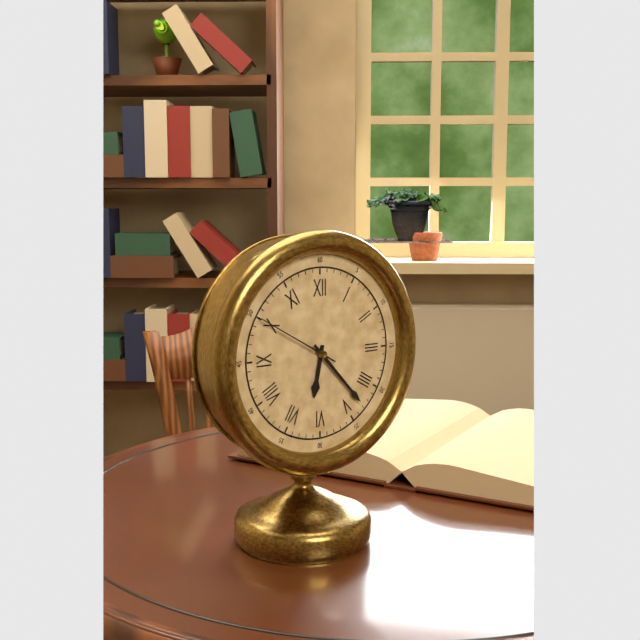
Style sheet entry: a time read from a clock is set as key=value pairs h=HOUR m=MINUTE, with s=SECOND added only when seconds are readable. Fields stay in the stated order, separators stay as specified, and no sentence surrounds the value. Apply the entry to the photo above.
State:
h=6 m=23 s=50
